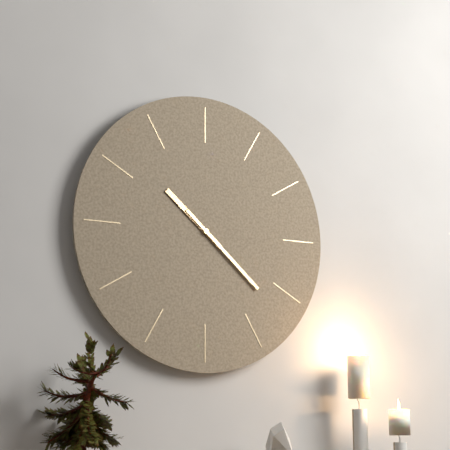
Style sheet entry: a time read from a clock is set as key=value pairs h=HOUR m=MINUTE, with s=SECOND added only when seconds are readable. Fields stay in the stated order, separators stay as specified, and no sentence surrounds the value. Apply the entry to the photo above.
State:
h=10 m=22
